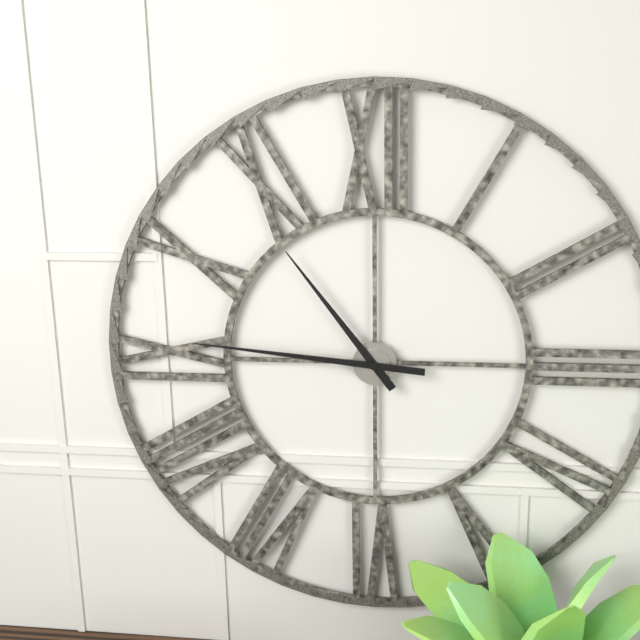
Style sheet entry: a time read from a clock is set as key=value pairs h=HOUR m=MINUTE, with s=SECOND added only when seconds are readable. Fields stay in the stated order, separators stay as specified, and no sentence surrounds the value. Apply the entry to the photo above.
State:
h=10 m=46
